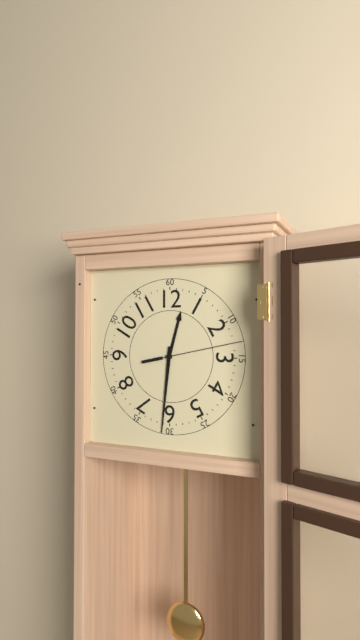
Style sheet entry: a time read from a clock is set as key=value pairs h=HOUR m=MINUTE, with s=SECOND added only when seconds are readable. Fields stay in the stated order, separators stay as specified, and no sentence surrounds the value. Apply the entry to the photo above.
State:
h=12 m=31 s=13
